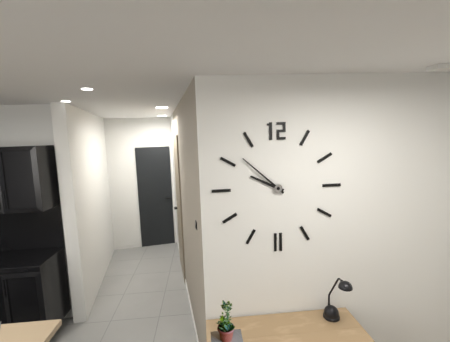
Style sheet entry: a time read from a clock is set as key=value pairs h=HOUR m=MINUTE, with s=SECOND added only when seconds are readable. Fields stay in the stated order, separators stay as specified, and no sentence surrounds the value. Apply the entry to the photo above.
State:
h=9 m=52
